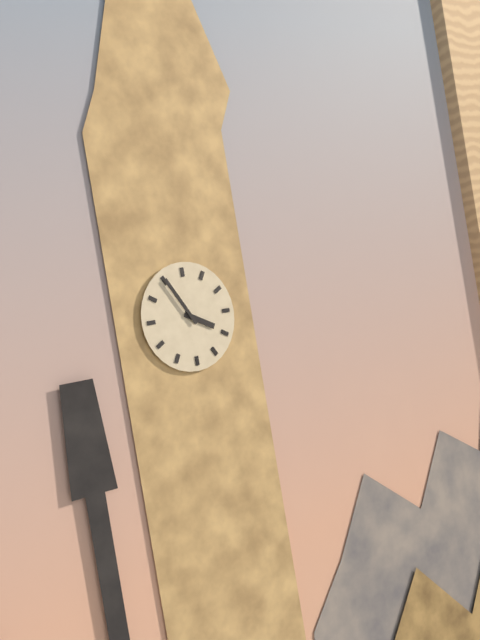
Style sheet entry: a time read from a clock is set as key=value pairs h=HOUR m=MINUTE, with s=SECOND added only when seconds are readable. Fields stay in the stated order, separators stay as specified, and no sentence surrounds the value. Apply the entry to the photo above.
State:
h=3 m=55
